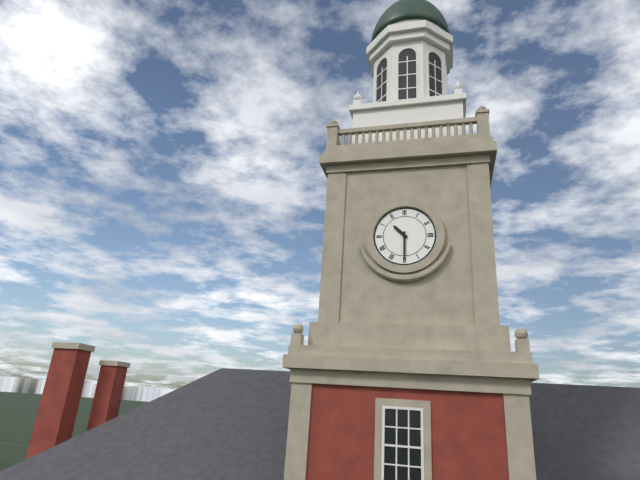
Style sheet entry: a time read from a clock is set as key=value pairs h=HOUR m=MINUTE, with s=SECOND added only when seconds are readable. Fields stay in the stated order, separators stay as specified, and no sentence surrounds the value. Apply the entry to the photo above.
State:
h=10 m=30
